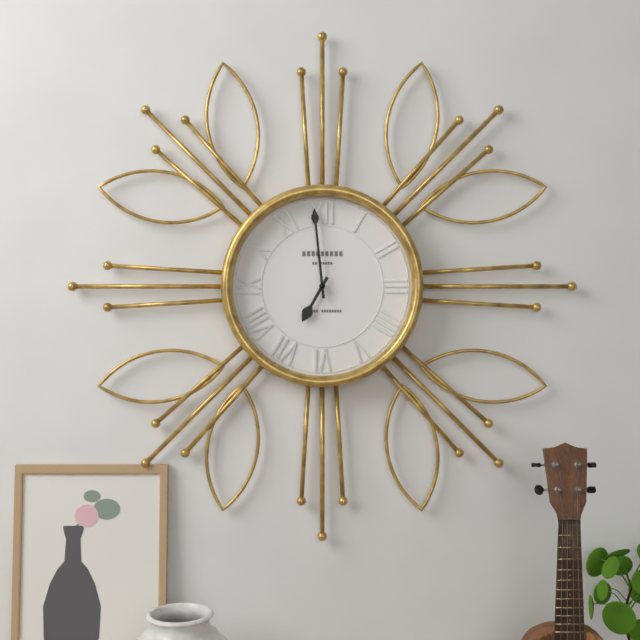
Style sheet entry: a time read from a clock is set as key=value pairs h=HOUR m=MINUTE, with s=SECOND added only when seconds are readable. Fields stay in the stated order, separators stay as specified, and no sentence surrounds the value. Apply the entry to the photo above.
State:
h=6 m=59
